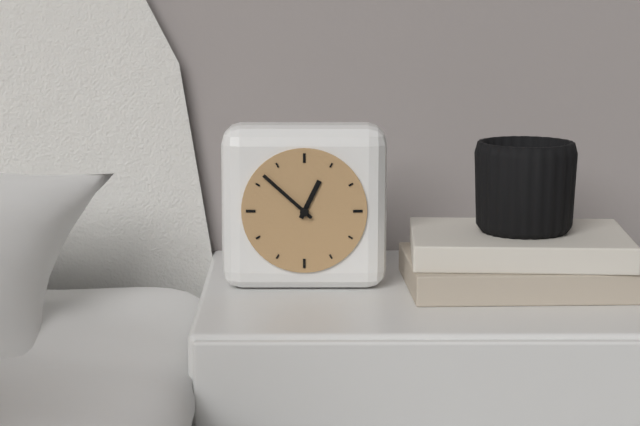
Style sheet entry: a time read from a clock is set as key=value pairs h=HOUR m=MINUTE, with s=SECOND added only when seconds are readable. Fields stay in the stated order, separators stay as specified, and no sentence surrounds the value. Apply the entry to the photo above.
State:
h=12 m=52
